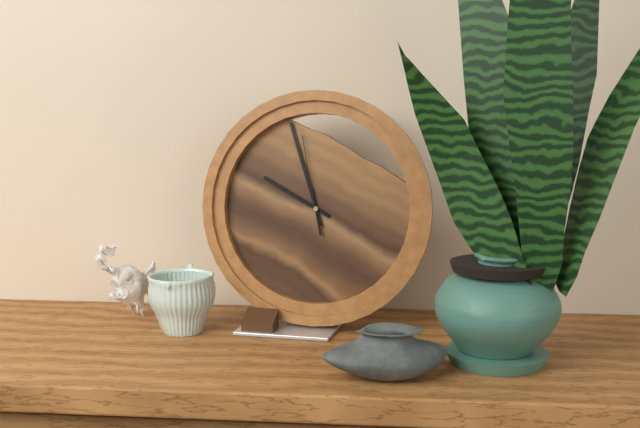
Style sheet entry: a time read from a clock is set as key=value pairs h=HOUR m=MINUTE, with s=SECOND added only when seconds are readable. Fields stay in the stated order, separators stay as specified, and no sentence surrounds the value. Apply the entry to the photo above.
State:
h=9 m=57 s=58
